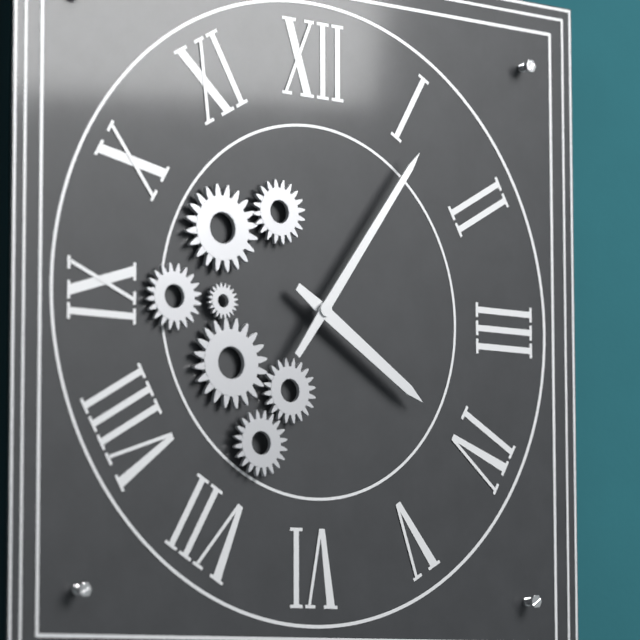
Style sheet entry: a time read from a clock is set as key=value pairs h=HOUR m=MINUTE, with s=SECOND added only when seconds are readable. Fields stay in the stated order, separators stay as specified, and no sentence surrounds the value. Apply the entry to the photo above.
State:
h=4 m=6
